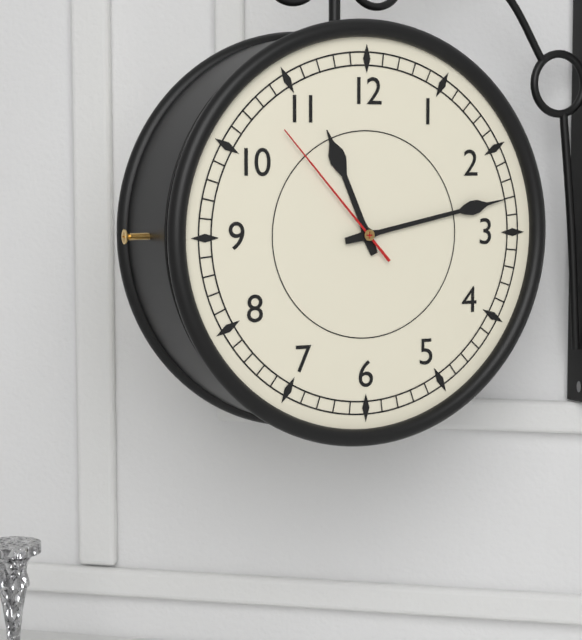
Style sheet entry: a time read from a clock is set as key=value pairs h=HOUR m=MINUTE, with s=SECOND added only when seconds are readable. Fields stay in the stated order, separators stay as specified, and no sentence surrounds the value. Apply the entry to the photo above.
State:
h=11 m=13 s=53
